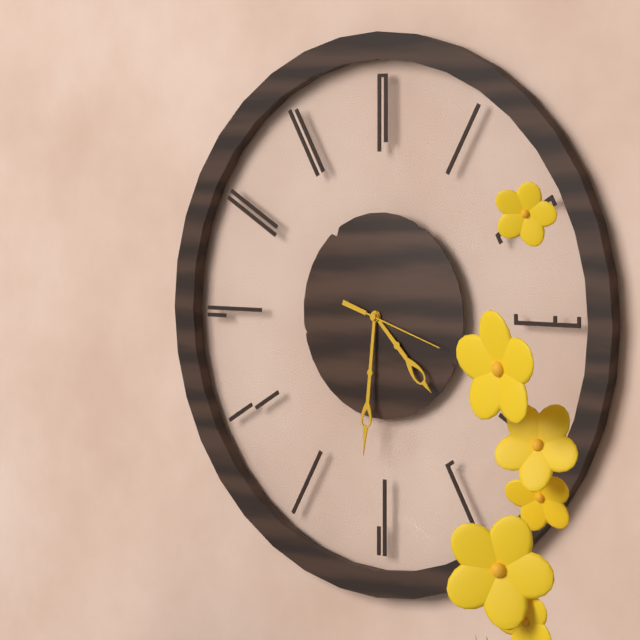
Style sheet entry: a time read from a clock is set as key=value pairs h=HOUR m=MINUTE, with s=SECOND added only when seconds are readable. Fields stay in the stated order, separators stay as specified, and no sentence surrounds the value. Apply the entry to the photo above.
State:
h=4 m=31 s=18
